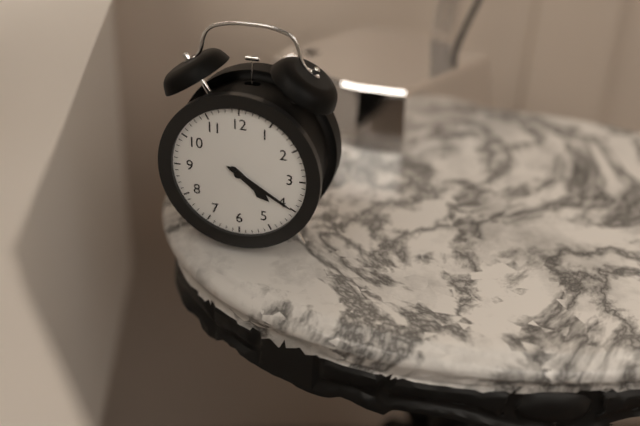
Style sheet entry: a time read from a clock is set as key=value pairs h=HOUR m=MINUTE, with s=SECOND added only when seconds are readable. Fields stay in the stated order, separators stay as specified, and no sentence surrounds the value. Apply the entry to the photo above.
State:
h=4 m=20
